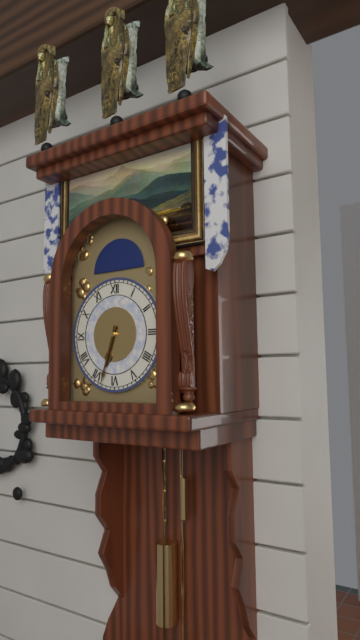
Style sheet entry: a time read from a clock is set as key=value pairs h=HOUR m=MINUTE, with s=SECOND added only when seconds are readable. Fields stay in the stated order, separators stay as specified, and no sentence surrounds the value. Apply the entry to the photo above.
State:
h=6 m=33
